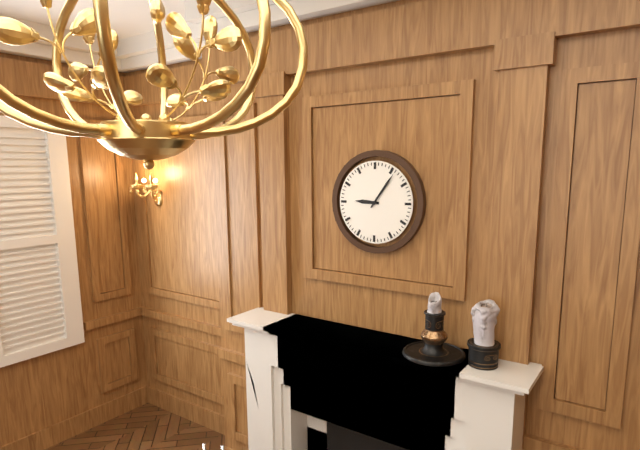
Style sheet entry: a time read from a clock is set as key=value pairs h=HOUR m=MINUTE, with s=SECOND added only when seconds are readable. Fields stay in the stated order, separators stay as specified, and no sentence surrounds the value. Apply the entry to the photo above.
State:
h=9 m=6
